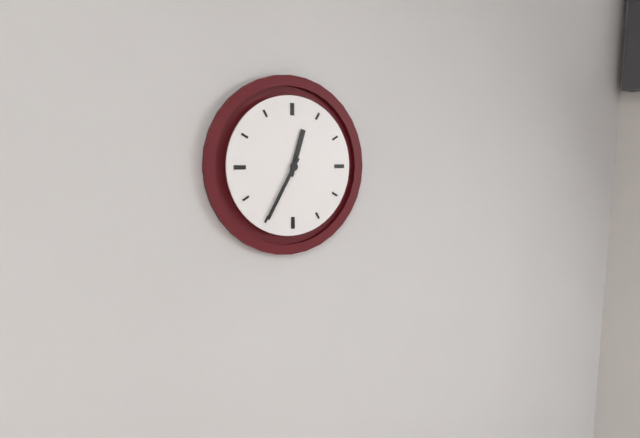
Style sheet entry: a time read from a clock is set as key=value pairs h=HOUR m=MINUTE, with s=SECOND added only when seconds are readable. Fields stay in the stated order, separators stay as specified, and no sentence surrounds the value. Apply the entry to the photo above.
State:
h=12 m=35
